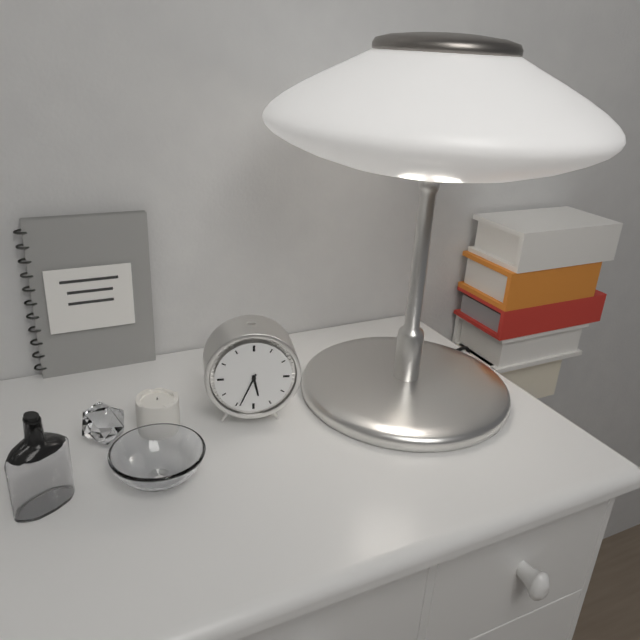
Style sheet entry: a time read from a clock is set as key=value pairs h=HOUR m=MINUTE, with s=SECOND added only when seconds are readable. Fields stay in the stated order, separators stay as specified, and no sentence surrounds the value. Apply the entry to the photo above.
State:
h=5 m=34
